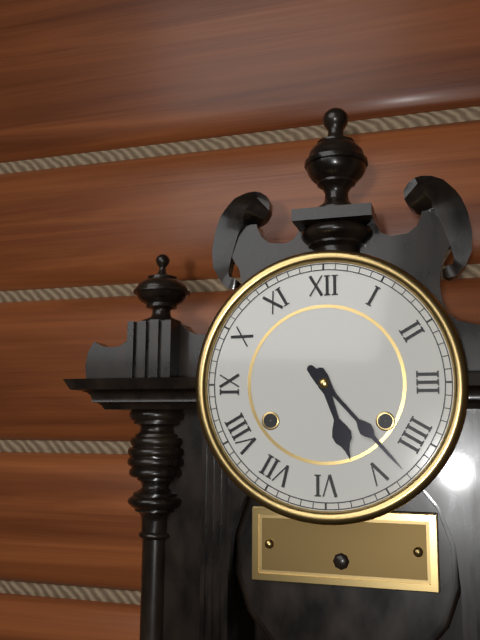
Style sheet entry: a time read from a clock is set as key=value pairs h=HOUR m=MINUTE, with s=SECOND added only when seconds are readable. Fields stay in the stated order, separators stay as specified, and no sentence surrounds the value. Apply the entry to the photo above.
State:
h=5 m=23
